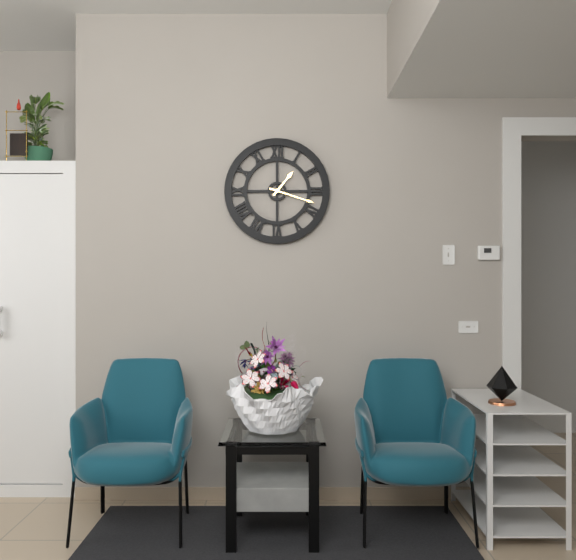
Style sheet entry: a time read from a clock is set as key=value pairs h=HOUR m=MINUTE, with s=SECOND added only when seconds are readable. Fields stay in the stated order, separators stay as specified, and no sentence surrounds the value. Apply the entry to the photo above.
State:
h=1 m=18
